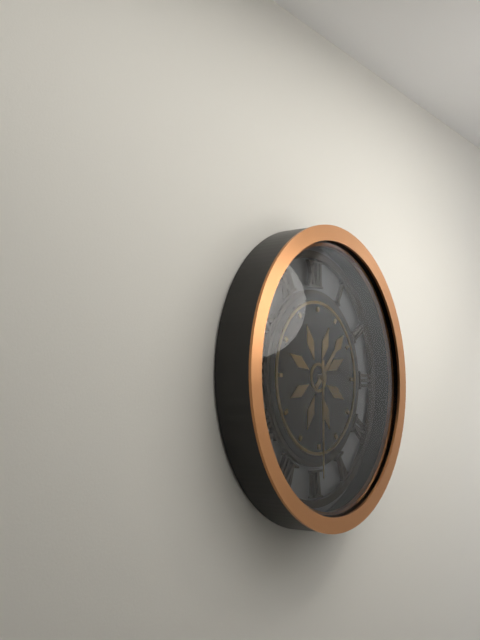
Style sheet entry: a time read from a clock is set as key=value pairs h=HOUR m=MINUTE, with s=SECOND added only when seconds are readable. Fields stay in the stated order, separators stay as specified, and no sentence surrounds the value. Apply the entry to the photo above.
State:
h=1 m=30
